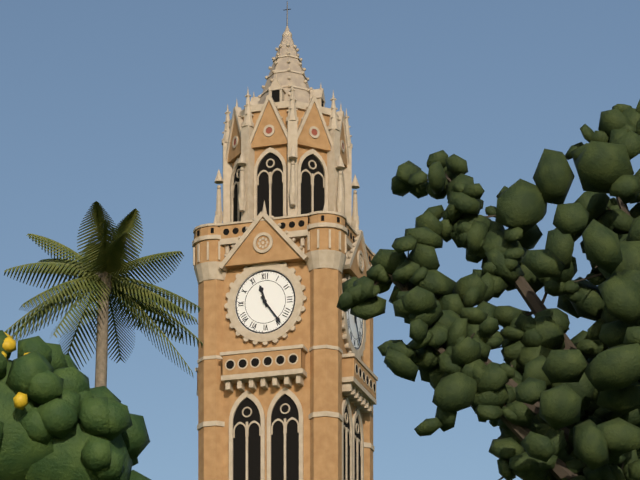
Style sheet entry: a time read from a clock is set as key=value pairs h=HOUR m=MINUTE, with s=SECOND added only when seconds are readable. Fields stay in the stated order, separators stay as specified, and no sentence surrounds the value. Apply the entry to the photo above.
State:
h=11 m=24
